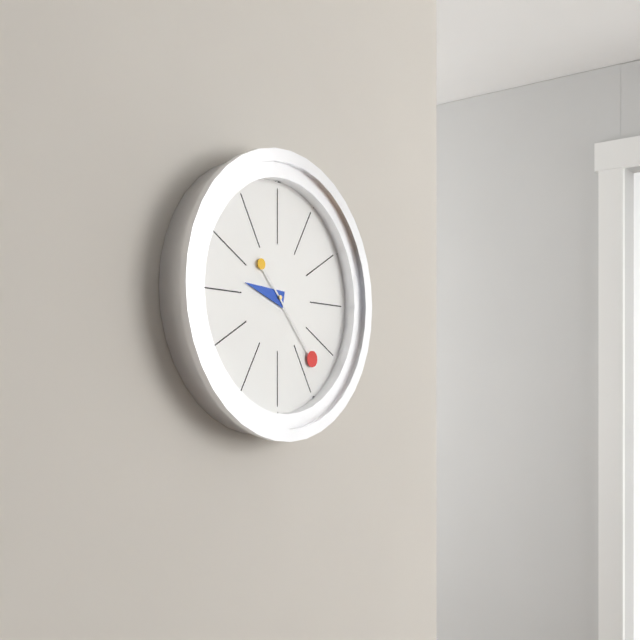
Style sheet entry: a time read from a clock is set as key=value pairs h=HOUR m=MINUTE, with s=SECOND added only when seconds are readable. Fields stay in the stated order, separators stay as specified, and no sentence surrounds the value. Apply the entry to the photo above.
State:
h=9 m=23
